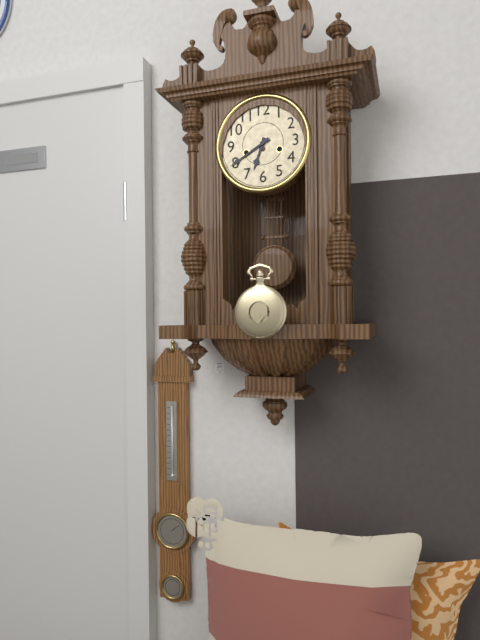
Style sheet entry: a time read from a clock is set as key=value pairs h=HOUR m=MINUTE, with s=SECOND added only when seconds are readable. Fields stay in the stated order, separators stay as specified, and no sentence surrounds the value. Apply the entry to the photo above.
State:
h=6 m=40
